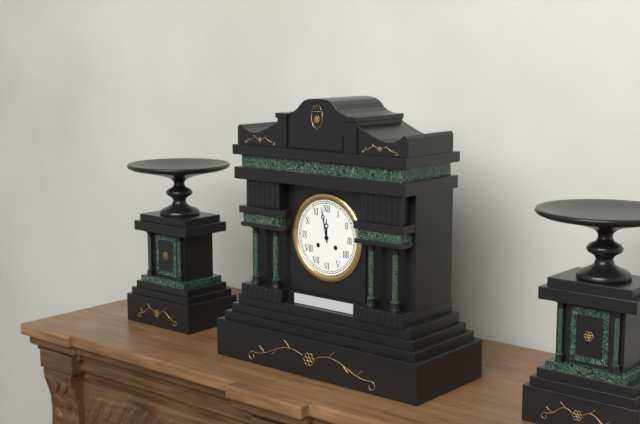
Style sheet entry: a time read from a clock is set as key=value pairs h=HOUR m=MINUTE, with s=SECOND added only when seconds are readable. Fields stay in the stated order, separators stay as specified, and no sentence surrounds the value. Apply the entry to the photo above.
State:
h=11 m=58
